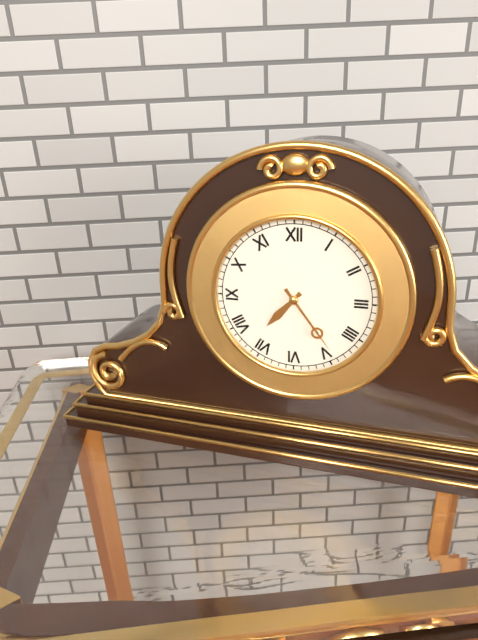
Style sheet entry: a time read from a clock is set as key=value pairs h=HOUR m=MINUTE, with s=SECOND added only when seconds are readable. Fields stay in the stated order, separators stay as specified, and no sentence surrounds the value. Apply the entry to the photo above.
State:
h=7 m=24
